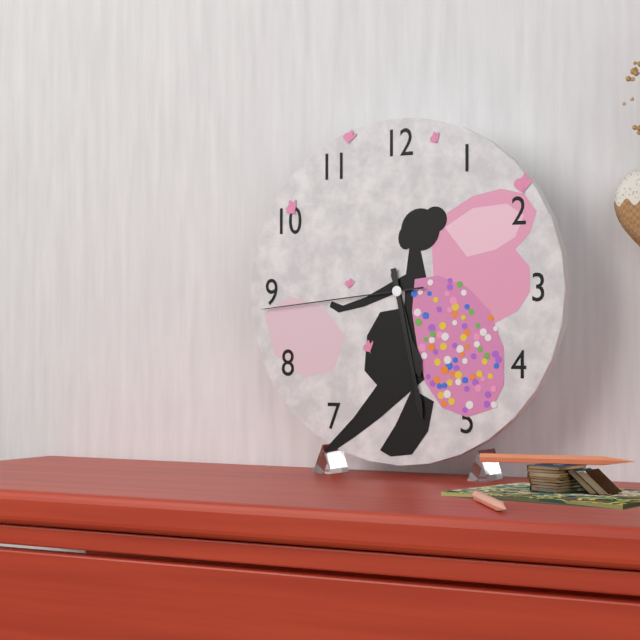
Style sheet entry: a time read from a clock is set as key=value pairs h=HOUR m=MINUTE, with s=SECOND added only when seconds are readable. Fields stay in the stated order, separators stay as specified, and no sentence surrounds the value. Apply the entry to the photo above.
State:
h=5 m=28 s=44
